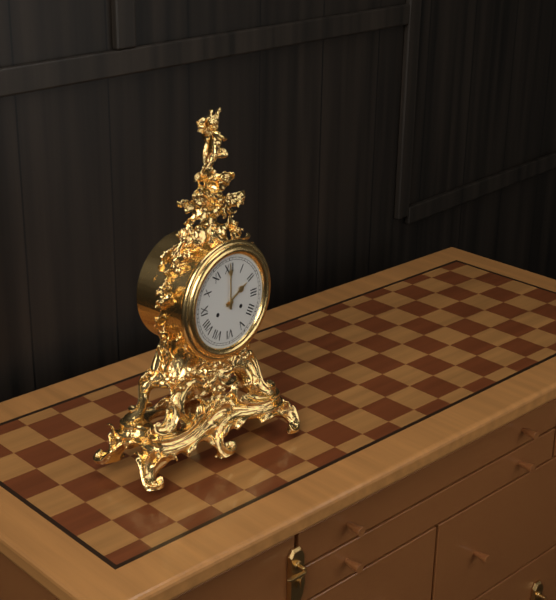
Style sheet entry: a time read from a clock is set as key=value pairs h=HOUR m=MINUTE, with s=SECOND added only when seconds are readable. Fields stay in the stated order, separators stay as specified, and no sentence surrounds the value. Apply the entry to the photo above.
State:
h=2 m=0
